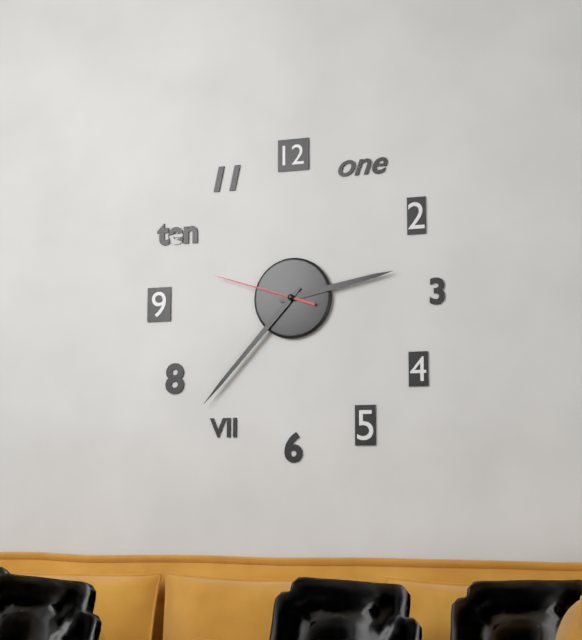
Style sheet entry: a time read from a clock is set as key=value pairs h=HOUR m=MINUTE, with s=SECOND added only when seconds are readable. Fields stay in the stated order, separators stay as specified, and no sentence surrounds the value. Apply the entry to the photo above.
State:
h=2 m=37 s=48
